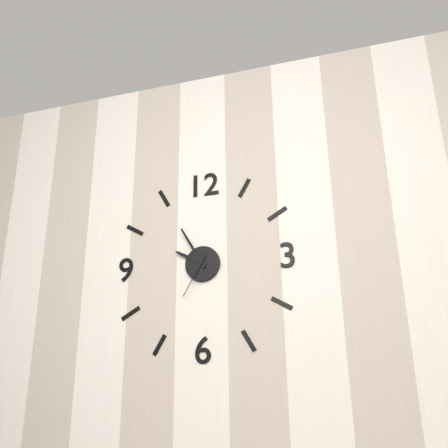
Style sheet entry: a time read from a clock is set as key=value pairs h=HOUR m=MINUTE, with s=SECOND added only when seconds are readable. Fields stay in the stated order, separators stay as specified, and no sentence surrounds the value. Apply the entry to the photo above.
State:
h=9 m=55
